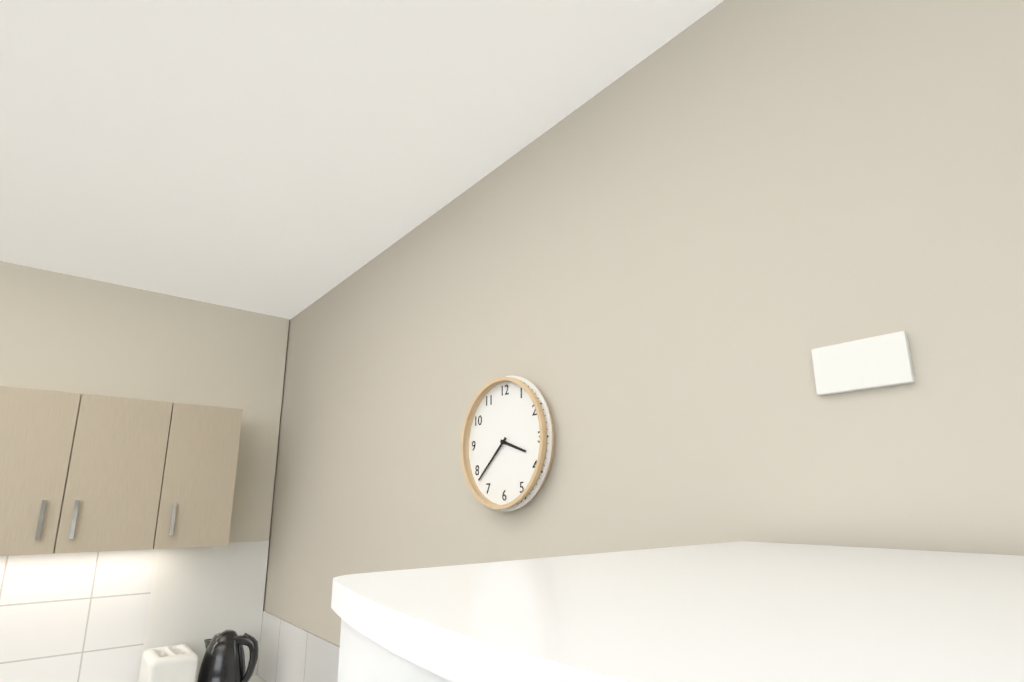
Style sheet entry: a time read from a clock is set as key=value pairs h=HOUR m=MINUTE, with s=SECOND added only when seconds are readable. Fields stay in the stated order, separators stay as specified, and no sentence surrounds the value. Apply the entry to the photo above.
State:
h=3 m=38
